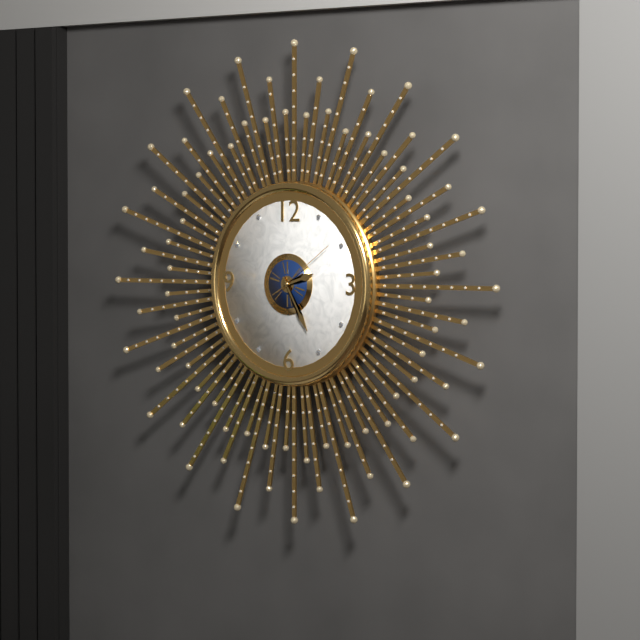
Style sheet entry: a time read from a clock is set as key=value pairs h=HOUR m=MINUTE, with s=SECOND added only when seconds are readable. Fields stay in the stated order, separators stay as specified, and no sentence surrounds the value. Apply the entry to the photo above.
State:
h=2 m=25 s=9
